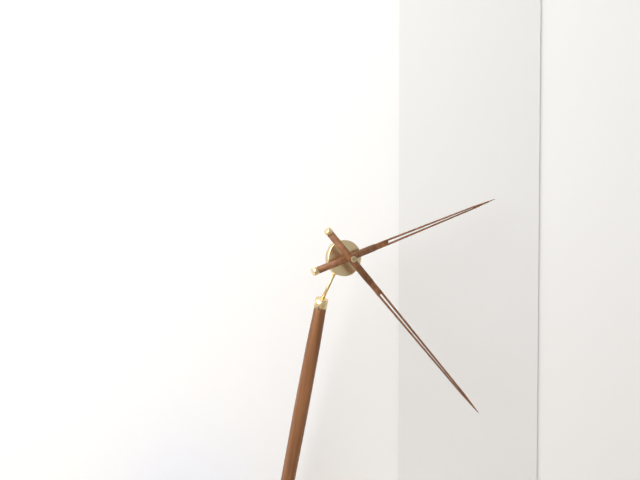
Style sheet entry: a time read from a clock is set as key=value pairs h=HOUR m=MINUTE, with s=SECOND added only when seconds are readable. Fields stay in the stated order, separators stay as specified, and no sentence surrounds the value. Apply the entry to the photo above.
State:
h=2 m=23
